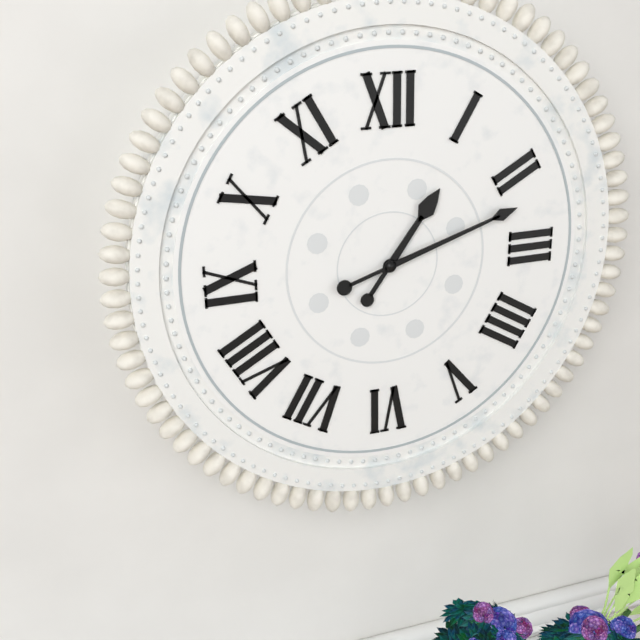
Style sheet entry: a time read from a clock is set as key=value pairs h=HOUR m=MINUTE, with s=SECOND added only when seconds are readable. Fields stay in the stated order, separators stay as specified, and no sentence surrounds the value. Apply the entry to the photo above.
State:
h=1 m=12
